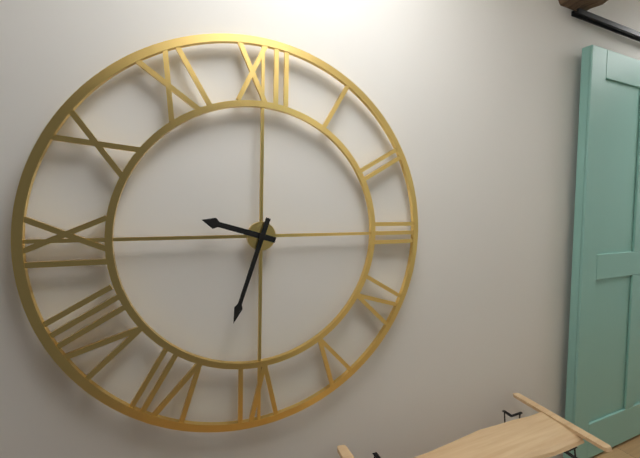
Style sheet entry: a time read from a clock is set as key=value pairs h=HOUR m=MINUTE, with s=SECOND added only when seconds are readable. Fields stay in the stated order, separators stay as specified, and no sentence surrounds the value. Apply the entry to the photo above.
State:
h=9 m=33
